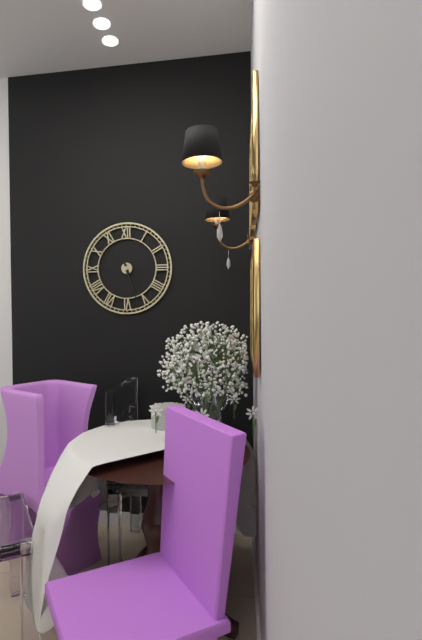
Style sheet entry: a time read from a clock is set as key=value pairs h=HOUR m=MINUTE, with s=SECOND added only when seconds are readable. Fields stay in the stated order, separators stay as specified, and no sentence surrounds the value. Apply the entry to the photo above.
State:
h=5 m=27
